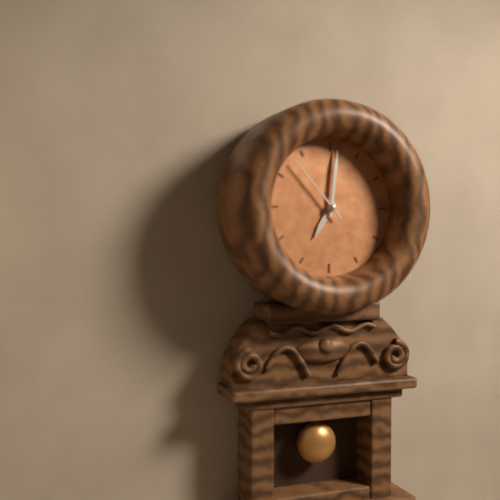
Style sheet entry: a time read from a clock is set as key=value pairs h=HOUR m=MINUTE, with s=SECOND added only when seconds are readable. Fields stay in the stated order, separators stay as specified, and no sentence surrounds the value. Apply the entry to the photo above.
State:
h=7 m=1 s=53
